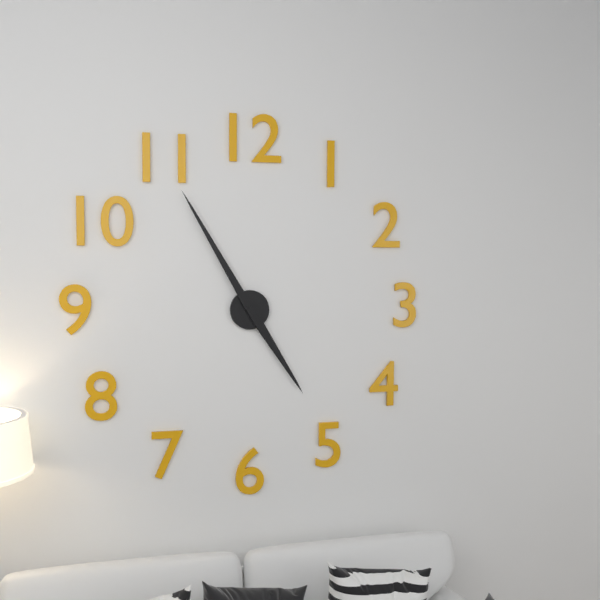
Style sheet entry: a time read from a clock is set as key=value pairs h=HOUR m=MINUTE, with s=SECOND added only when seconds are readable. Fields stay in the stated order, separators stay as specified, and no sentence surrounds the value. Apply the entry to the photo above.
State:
h=4 m=55
